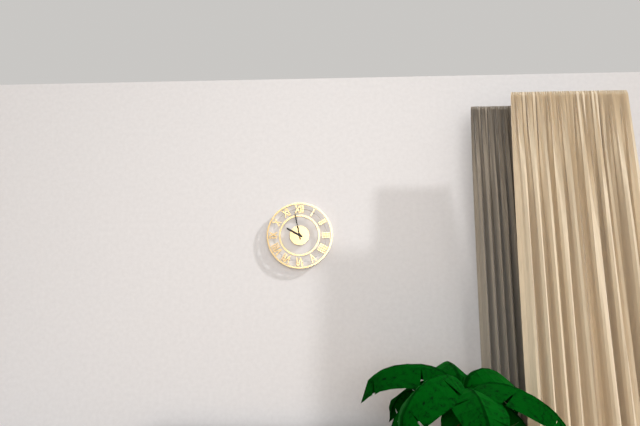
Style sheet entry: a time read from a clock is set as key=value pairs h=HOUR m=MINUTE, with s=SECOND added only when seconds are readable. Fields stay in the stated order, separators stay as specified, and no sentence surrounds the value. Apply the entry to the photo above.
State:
h=9 m=58
